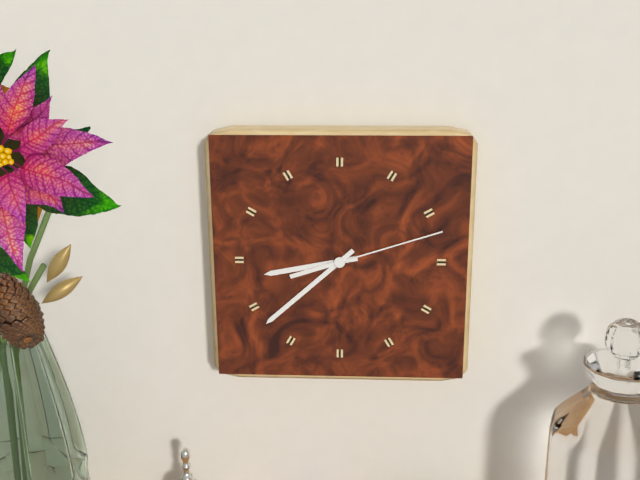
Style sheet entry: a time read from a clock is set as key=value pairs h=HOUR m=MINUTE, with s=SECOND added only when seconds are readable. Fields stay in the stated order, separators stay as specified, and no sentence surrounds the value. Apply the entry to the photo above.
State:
h=8 m=38 s=12
